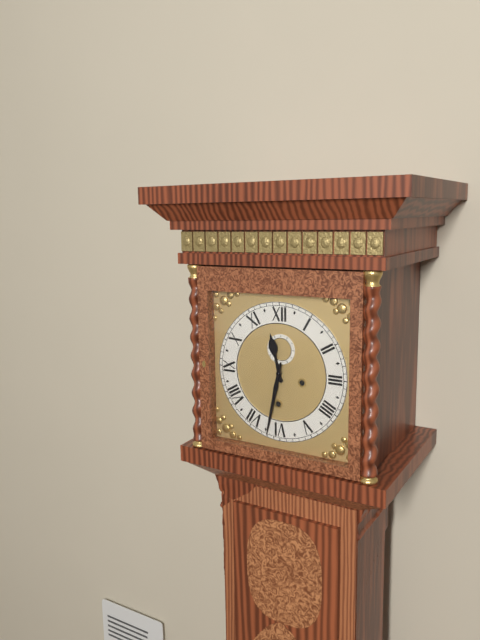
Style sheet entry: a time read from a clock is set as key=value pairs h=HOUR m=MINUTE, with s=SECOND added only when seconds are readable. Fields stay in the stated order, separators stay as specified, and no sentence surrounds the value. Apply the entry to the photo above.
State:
h=11 m=32
